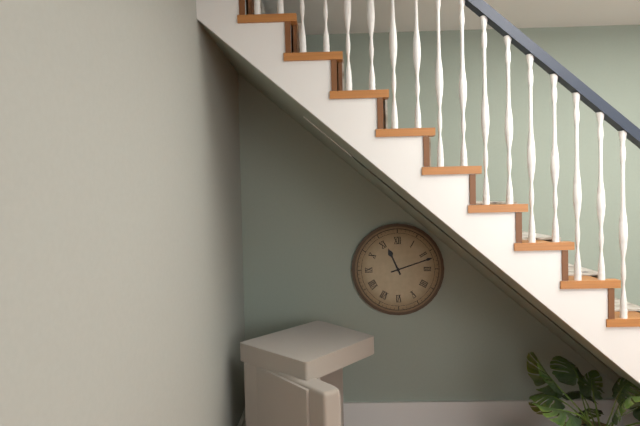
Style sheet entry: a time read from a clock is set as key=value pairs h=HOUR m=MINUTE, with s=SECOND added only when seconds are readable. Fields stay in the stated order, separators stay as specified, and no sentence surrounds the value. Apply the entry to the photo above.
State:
h=11 m=12
